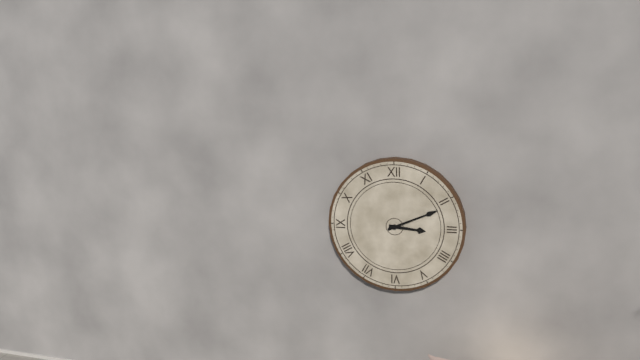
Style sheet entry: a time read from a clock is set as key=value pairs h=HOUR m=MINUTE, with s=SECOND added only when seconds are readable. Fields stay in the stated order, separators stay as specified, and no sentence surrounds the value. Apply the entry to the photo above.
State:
h=3 m=11
